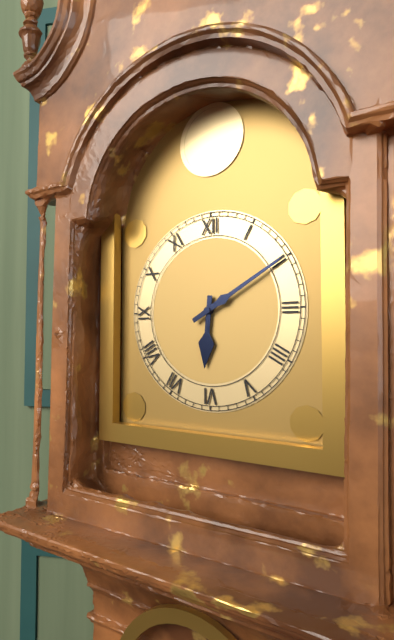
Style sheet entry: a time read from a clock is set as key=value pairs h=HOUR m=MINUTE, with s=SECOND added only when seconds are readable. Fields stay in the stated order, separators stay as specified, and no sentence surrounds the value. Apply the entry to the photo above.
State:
h=6 m=10
